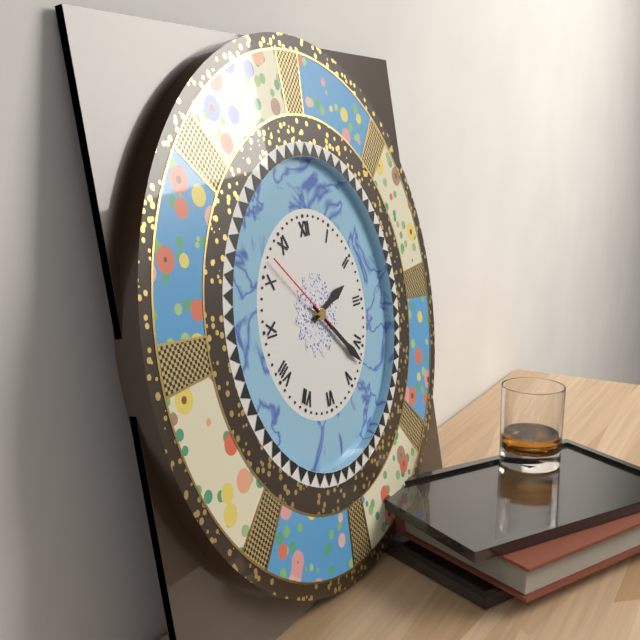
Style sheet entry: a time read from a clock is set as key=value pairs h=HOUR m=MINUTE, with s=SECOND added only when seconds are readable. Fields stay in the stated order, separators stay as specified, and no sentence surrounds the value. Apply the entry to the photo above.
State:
h=2 m=22 s=52
